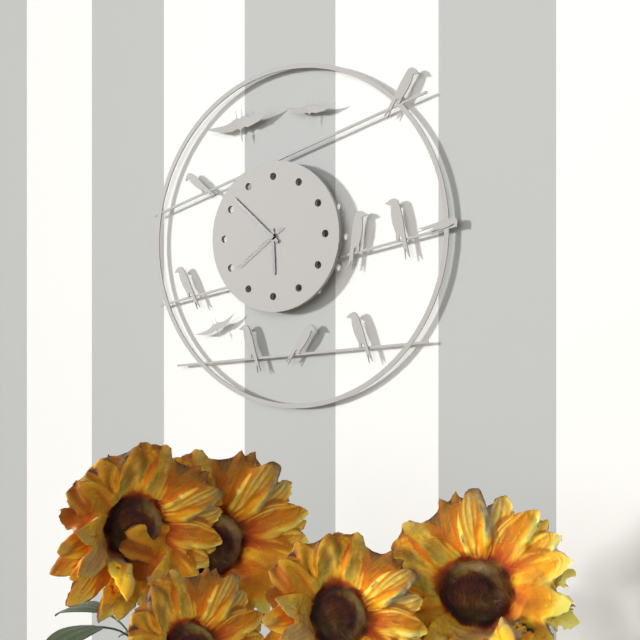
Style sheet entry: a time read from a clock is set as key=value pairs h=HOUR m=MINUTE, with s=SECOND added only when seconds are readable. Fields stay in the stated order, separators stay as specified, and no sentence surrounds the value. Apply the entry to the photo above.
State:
h=5 m=52 s=39
